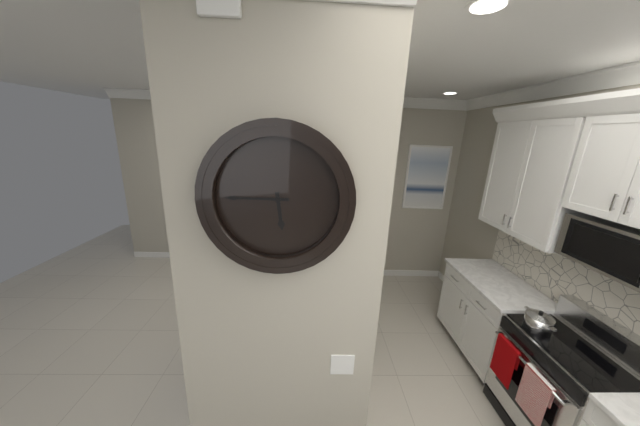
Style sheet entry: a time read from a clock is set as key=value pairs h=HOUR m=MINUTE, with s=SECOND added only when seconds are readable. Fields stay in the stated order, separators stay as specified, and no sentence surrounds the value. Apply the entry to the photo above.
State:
h=5 m=45
